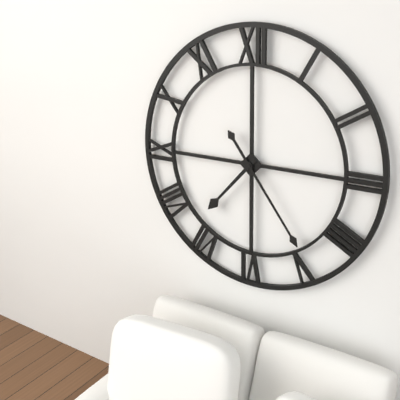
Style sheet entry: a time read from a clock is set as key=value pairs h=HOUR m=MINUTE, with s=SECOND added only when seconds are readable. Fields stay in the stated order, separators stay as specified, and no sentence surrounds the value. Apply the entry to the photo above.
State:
h=7 m=24
